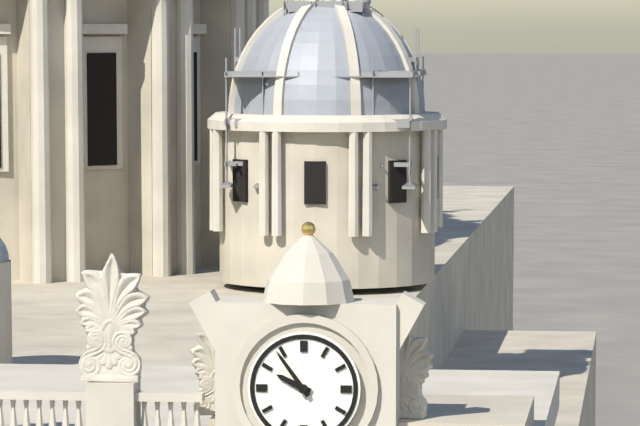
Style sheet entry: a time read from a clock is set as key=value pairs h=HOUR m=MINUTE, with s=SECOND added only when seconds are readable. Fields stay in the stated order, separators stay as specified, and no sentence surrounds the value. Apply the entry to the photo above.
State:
h=9 m=54
